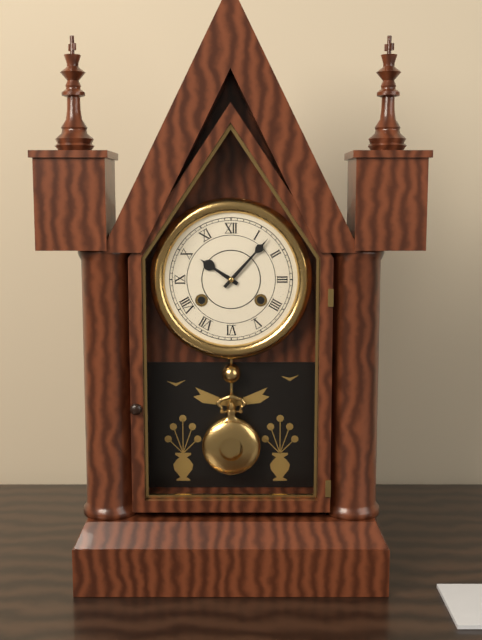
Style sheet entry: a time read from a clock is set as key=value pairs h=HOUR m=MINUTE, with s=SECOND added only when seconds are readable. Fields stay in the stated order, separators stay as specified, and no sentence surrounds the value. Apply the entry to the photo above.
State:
h=10 m=7
